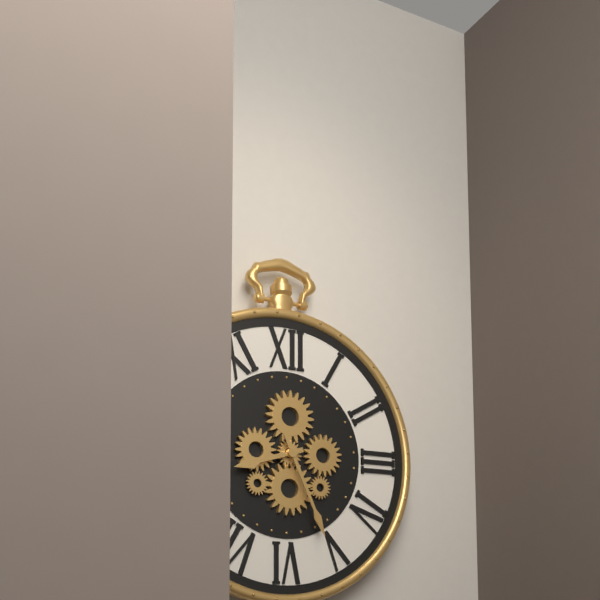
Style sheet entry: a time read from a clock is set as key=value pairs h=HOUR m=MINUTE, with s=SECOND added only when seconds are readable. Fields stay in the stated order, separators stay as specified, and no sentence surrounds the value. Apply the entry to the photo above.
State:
h=8 m=26
